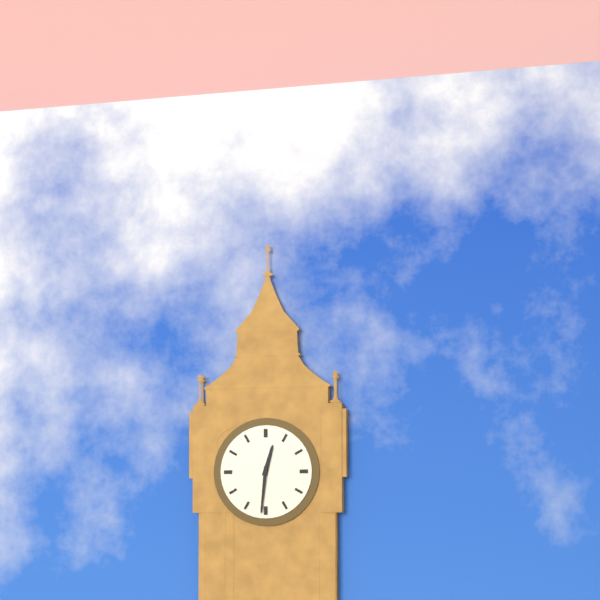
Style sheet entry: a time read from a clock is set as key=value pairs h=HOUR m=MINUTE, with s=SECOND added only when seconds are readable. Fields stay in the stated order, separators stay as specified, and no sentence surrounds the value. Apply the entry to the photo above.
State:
h=12 m=31
